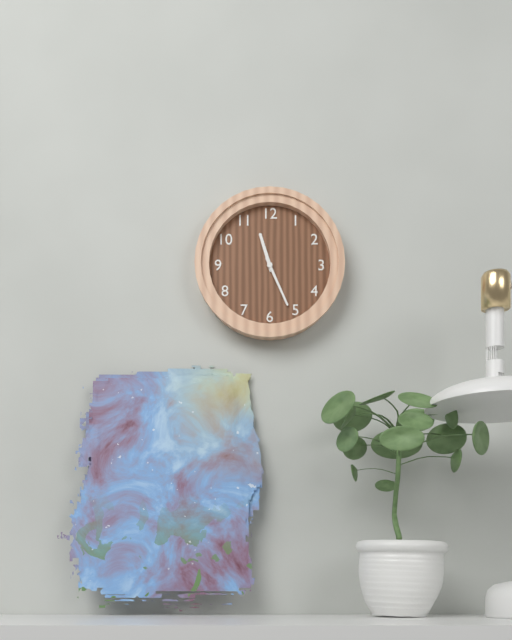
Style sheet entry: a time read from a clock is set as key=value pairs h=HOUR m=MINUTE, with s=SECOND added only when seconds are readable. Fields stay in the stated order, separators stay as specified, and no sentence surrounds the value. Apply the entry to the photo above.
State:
h=11 m=26
